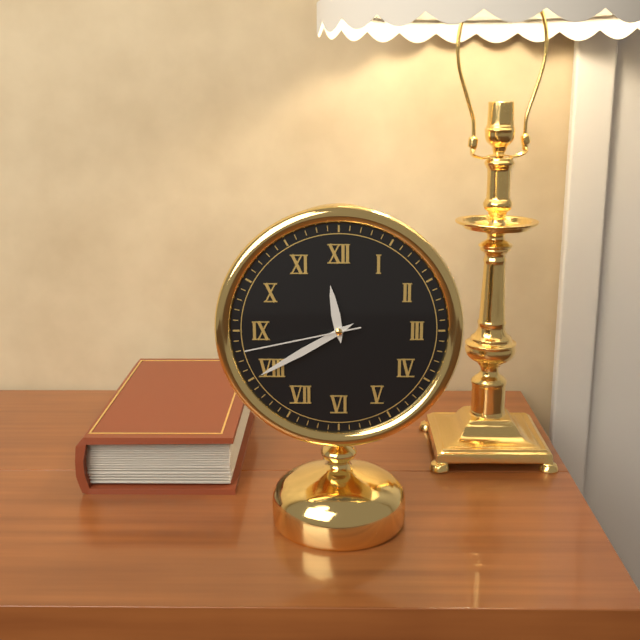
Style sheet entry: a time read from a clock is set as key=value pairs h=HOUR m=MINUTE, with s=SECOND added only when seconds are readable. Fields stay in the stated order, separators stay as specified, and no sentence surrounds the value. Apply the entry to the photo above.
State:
h=11 m=40 s=43
